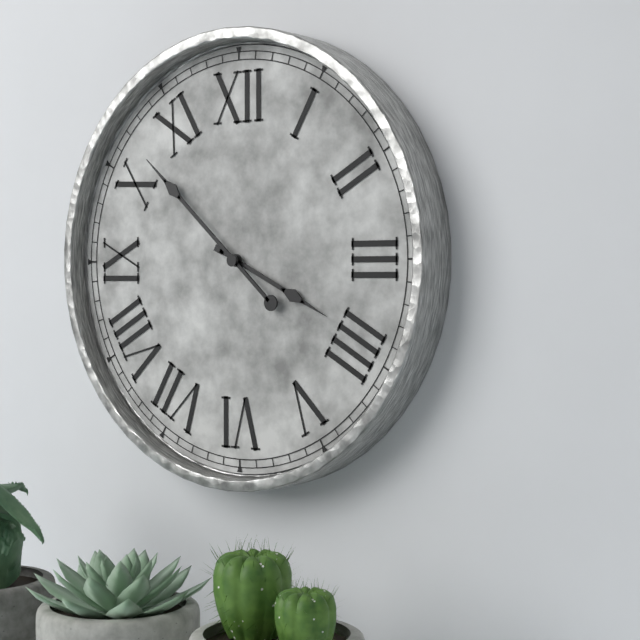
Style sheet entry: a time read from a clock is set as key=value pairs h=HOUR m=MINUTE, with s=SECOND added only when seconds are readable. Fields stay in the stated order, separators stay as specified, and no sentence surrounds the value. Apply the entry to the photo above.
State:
h=3 m=52
